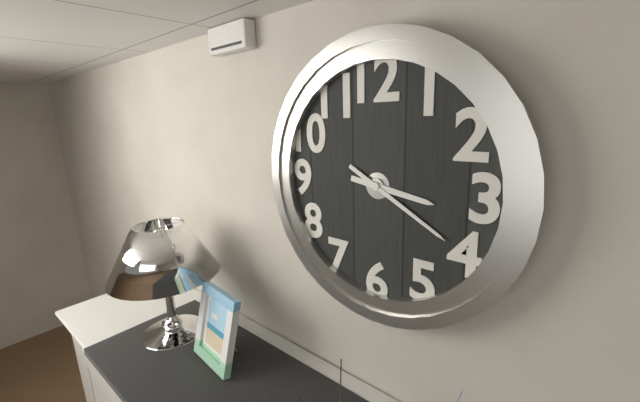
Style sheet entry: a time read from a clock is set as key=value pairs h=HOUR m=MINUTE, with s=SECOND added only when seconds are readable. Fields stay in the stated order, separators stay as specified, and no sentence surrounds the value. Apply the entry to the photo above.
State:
h=3 m=20
